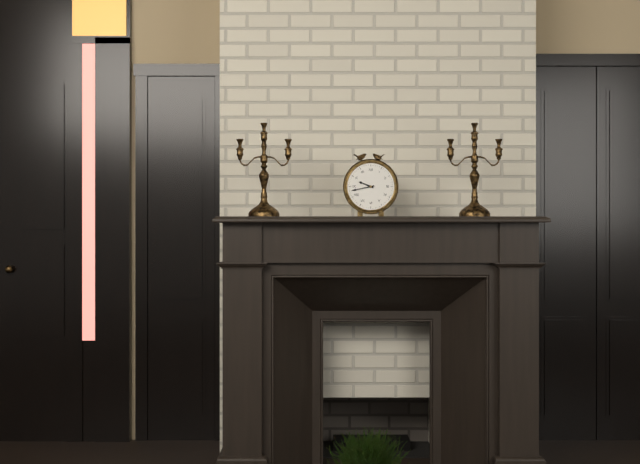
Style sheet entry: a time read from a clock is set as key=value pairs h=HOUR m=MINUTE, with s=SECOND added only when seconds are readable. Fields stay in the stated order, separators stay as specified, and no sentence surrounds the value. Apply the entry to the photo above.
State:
h=9 m=43
